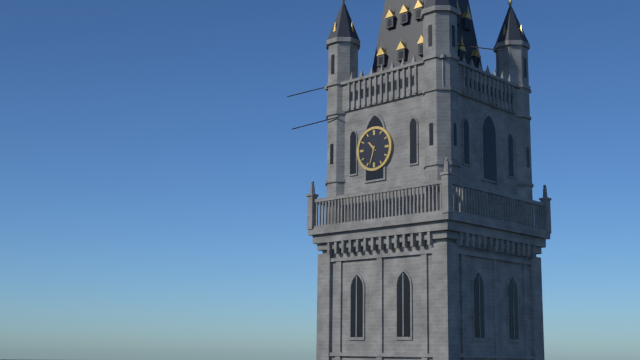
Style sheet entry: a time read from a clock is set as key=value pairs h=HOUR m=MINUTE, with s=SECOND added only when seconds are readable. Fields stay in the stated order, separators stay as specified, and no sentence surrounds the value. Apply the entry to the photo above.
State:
h=10 m=33
